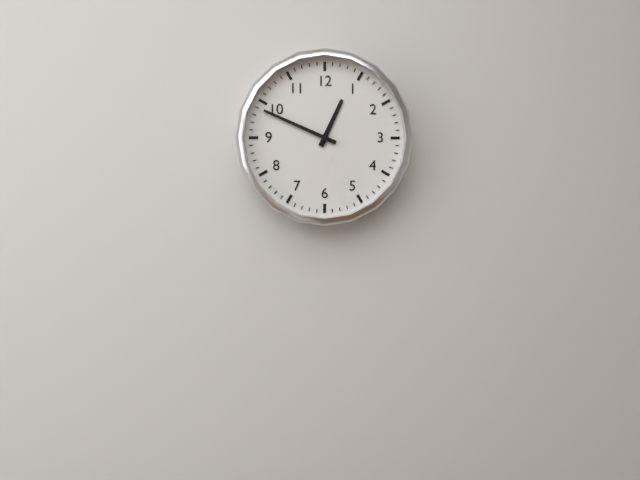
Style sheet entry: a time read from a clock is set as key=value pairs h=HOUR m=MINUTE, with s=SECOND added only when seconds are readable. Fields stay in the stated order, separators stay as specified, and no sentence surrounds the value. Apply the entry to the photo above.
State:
h=12 m=49
